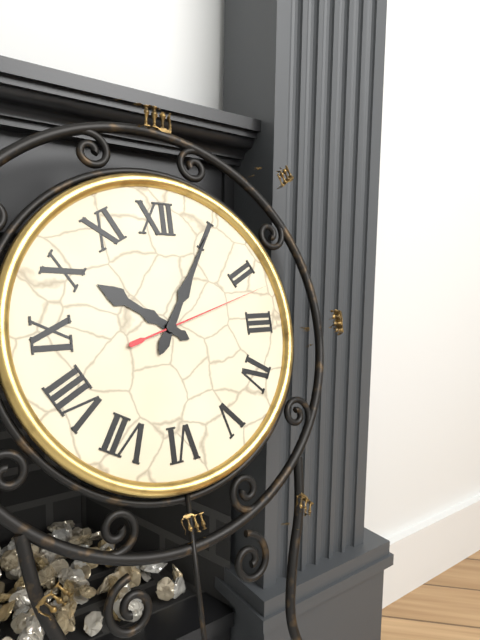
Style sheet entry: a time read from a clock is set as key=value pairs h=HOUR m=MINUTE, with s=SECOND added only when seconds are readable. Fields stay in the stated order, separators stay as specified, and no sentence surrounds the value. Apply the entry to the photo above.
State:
h=10 m=5 s=12
